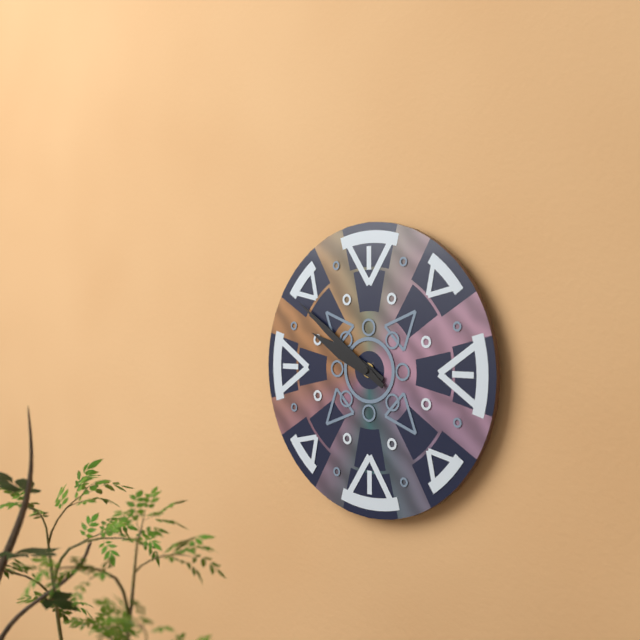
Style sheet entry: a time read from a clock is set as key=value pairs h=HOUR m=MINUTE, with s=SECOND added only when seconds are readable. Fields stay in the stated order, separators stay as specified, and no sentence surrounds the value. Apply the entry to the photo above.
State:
h=9 m=51
